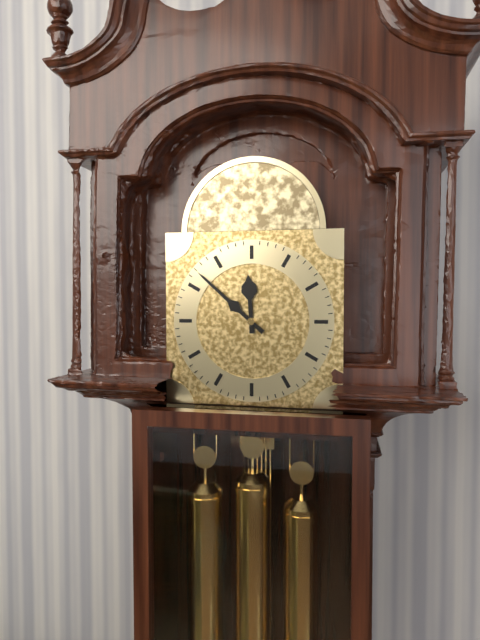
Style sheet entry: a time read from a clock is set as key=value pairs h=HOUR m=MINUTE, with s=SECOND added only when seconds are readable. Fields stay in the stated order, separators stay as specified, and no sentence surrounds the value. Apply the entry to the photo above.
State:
h=11 m=52
